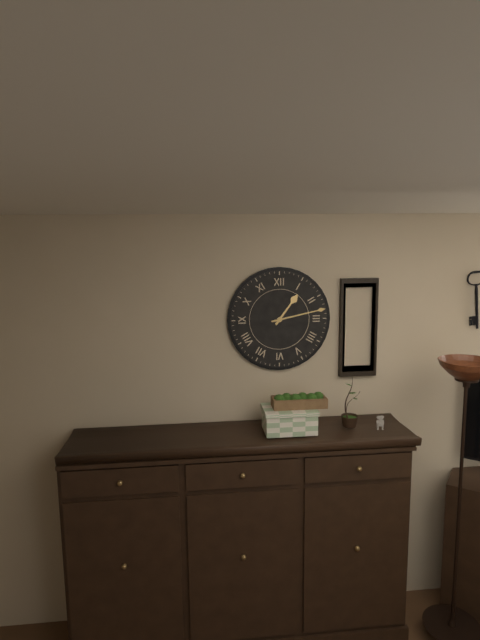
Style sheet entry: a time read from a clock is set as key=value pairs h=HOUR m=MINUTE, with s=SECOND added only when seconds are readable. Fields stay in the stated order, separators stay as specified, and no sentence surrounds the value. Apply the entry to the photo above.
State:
h=1 m=13
